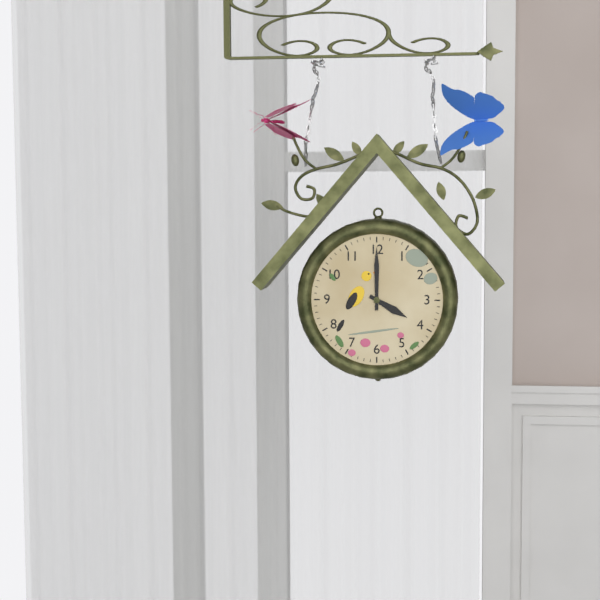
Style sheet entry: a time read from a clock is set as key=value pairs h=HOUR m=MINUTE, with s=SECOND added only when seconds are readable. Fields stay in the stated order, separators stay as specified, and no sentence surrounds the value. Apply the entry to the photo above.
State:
h=4 m=0
